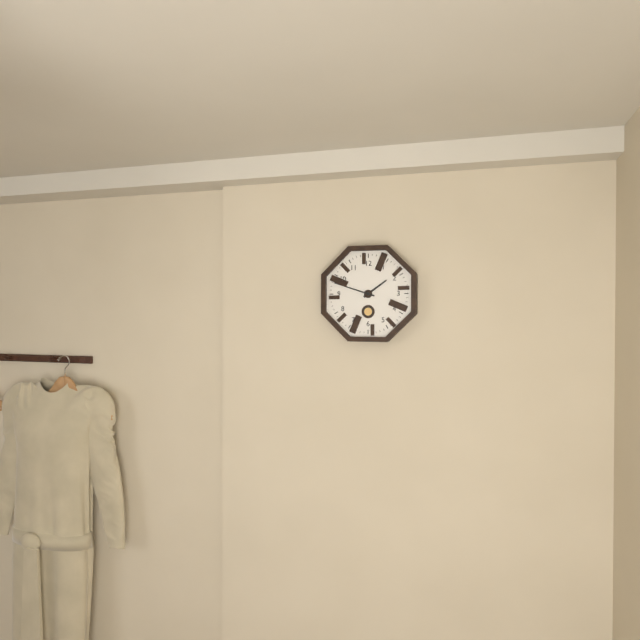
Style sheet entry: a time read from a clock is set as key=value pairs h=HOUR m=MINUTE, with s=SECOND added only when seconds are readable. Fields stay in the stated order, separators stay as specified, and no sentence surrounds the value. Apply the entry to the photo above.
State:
h=1 m=48
